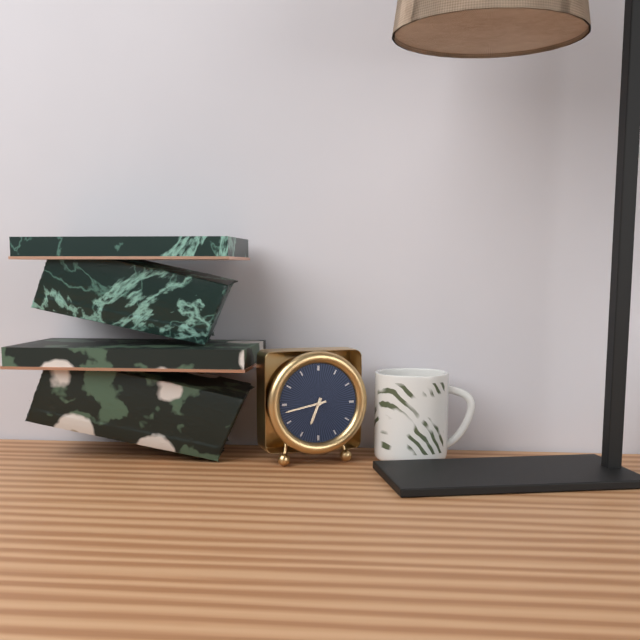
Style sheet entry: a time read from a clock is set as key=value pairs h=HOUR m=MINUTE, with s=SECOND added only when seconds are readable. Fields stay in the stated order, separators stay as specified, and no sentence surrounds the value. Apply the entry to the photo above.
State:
h=6 m=43
